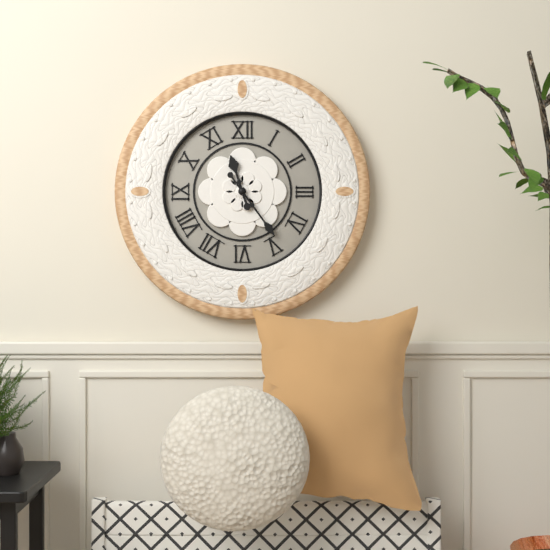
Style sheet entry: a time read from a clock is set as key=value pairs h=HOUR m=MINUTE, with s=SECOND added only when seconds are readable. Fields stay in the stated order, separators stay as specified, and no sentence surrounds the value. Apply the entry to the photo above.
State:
h=11 m=24
